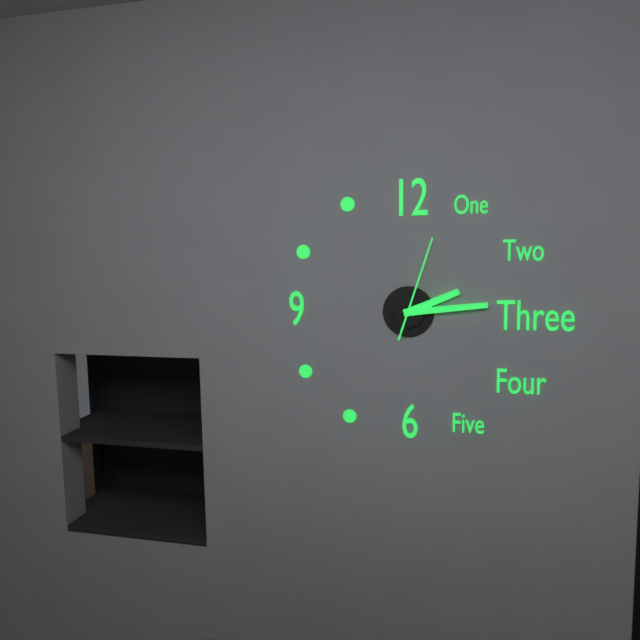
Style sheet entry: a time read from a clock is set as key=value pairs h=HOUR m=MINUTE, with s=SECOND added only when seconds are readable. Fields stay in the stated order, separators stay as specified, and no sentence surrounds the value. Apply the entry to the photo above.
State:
h=2 m=14 s=3
